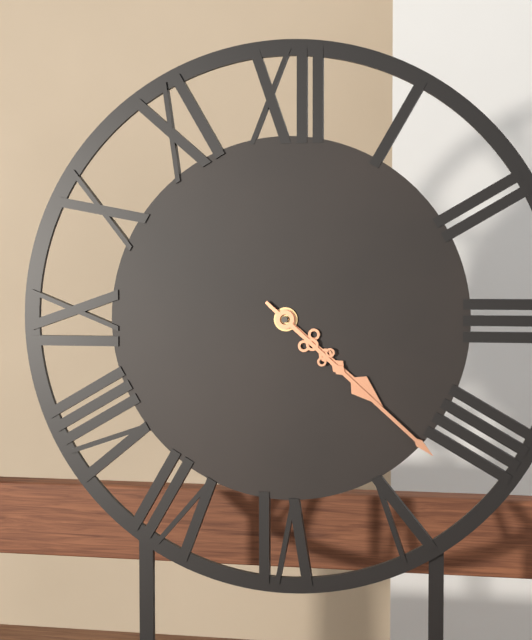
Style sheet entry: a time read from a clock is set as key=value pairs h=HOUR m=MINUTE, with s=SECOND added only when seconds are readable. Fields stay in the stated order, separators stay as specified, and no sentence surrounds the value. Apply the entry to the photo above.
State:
h=4 m=22
